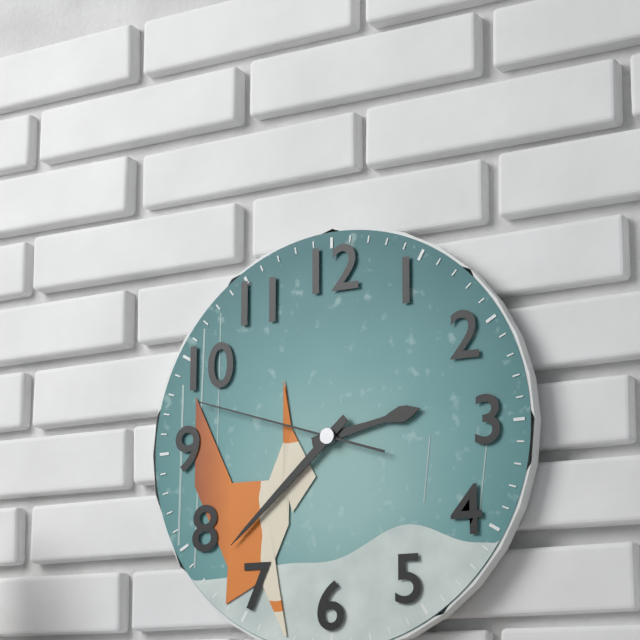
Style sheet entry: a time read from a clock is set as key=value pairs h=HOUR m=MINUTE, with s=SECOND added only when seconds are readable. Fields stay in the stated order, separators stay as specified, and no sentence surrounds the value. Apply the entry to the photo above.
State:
h=2 m=38 s=48
